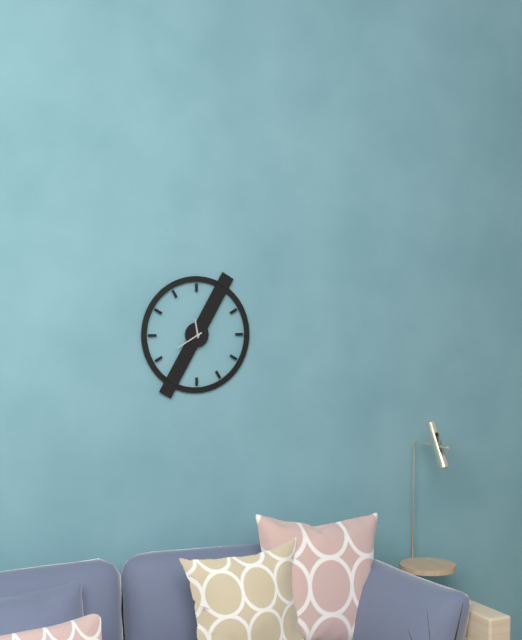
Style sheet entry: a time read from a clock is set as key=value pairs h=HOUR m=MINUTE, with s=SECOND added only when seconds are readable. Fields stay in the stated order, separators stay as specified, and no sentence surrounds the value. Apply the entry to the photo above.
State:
h=11 m=40
